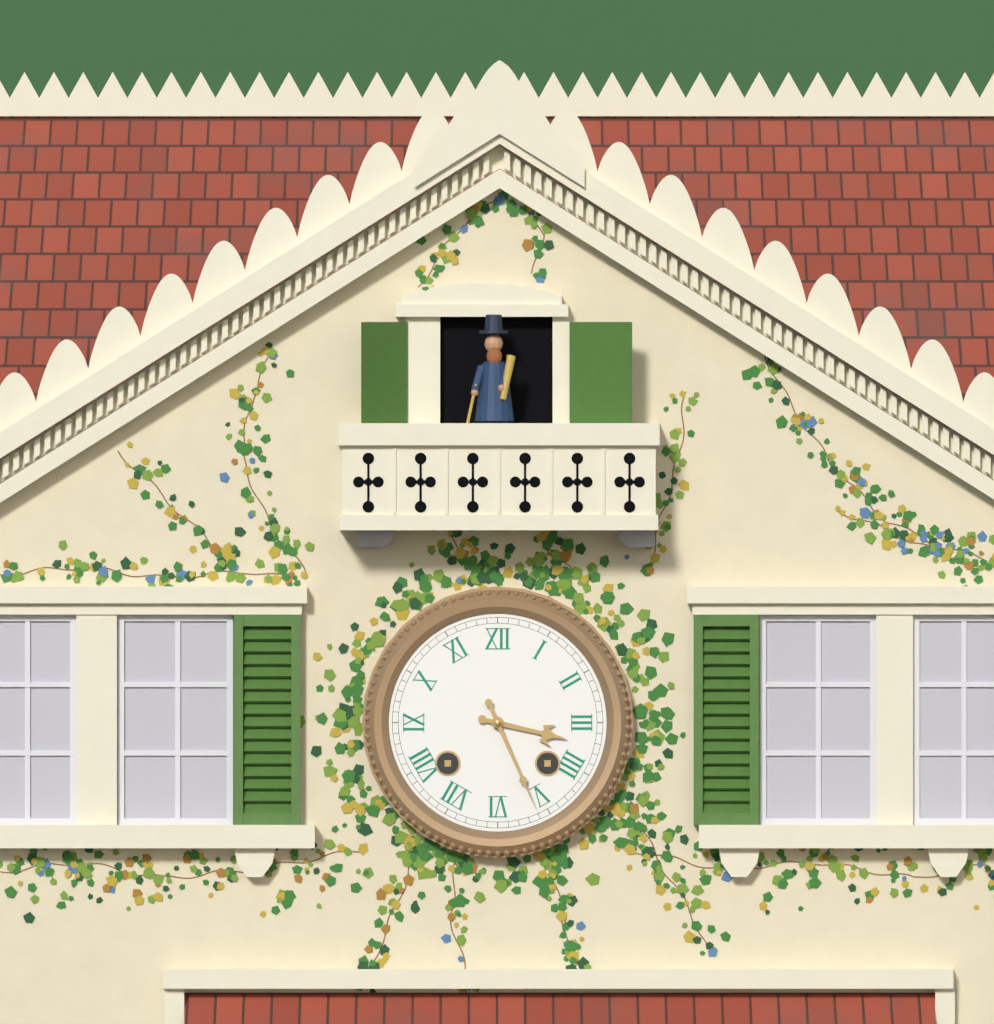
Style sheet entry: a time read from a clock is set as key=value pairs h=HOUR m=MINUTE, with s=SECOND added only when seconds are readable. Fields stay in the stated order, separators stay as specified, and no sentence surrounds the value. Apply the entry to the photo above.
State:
h=3 m=26
